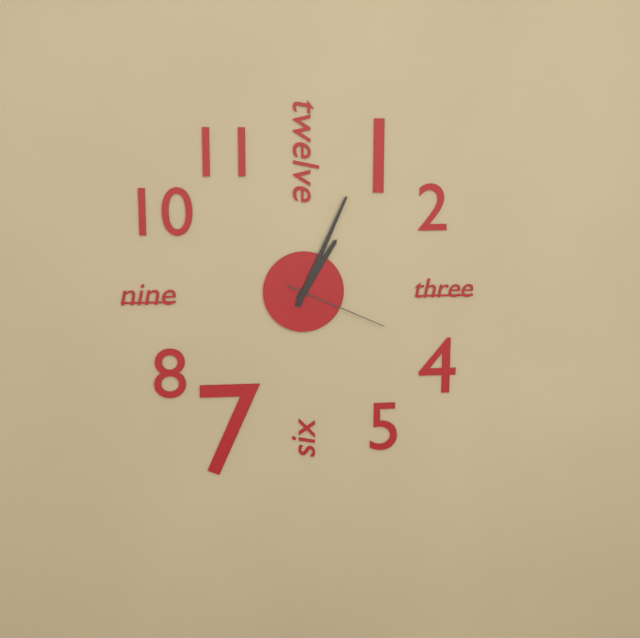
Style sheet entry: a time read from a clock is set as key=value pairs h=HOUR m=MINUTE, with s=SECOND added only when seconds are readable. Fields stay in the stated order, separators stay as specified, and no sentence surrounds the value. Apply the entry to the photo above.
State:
h=1 m=4 s=19
